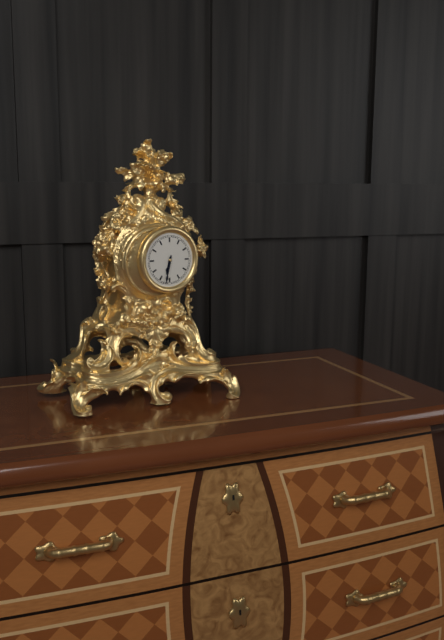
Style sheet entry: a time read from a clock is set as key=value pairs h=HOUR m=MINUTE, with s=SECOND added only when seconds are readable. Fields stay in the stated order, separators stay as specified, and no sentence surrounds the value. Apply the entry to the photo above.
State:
h=6 m=32
